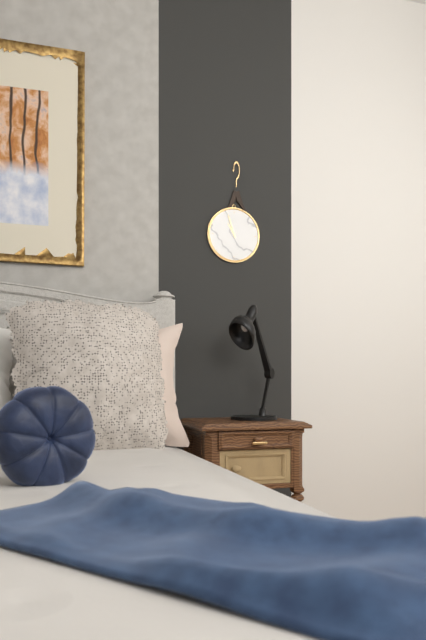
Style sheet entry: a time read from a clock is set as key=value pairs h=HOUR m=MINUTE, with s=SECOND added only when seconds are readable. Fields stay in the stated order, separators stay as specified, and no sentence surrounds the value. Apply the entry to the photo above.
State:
h=10 m=57
